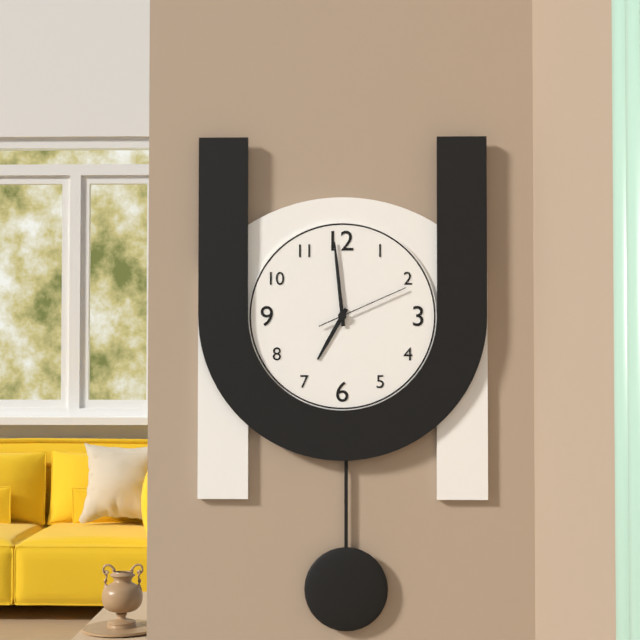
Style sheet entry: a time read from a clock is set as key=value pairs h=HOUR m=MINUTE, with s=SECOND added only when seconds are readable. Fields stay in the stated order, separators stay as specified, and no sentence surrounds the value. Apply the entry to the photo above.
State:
h=6 m=59 s=11
